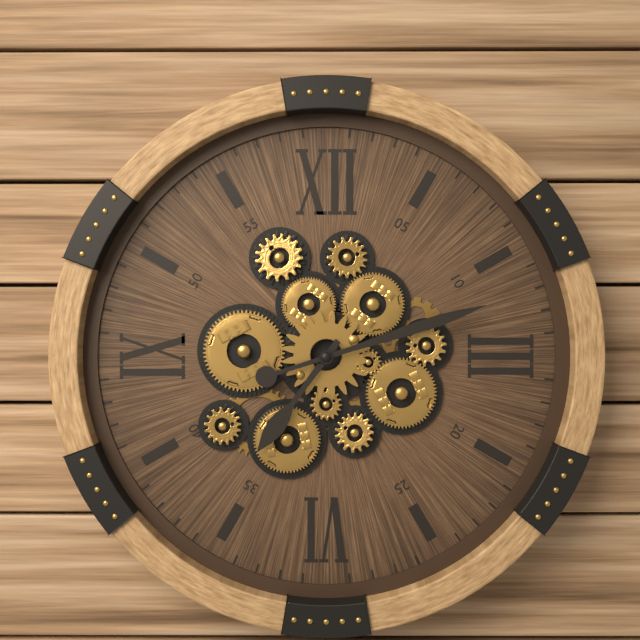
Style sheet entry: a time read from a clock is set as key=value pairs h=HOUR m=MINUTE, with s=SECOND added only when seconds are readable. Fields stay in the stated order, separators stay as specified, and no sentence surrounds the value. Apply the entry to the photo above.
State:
h=7 m=12
